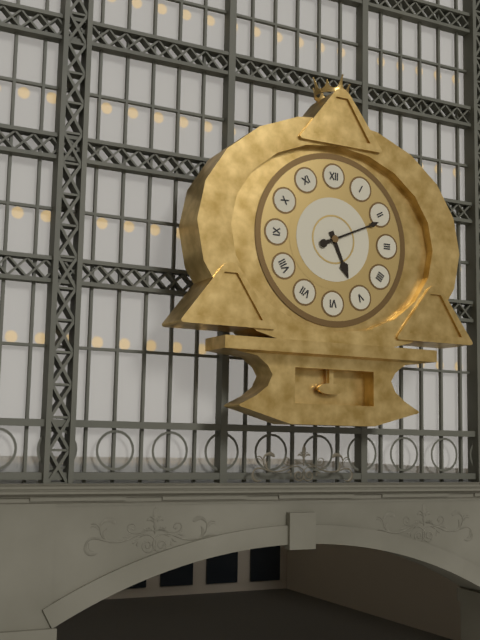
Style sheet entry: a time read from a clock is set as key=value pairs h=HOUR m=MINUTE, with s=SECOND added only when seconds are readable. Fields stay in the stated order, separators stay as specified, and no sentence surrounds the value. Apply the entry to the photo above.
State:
h=5 m=11
